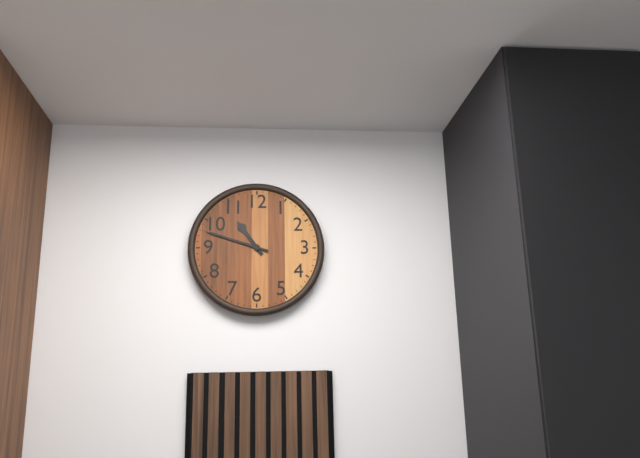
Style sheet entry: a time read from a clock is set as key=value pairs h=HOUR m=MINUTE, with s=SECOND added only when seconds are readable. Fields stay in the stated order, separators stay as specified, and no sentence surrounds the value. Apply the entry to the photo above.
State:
h=10 m=48
